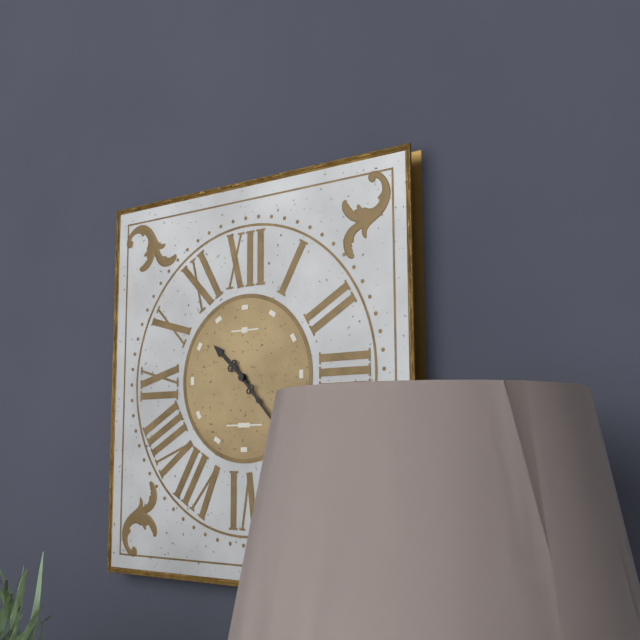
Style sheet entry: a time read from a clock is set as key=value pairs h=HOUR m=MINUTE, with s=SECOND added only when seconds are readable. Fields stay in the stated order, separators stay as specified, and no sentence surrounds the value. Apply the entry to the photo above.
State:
h=10 m=23
